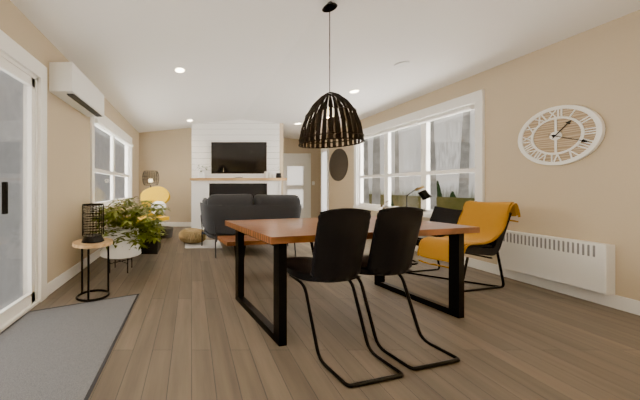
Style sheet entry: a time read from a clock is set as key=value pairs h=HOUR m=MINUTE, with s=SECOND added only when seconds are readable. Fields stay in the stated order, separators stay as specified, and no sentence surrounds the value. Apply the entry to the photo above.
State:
h=1 m=19
